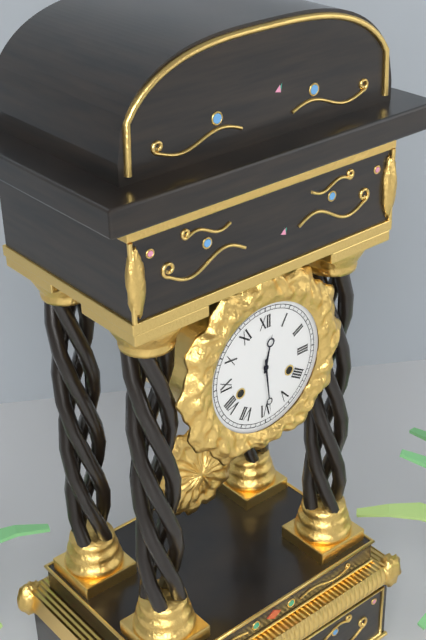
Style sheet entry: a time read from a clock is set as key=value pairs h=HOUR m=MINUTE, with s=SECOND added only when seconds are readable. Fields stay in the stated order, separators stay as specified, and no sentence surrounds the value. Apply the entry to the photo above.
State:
h=12 m=29
